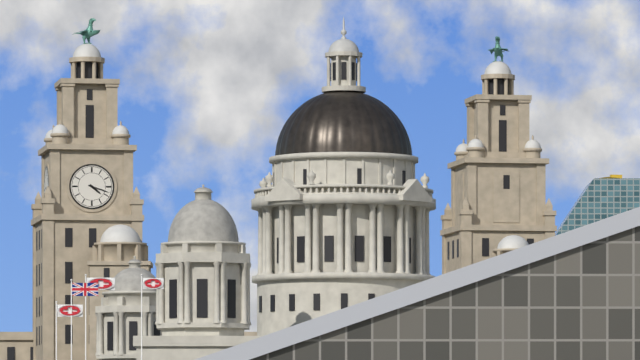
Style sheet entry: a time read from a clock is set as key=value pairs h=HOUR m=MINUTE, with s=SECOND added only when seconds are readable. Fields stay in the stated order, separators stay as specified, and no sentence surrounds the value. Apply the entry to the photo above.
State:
h=4 m=18
